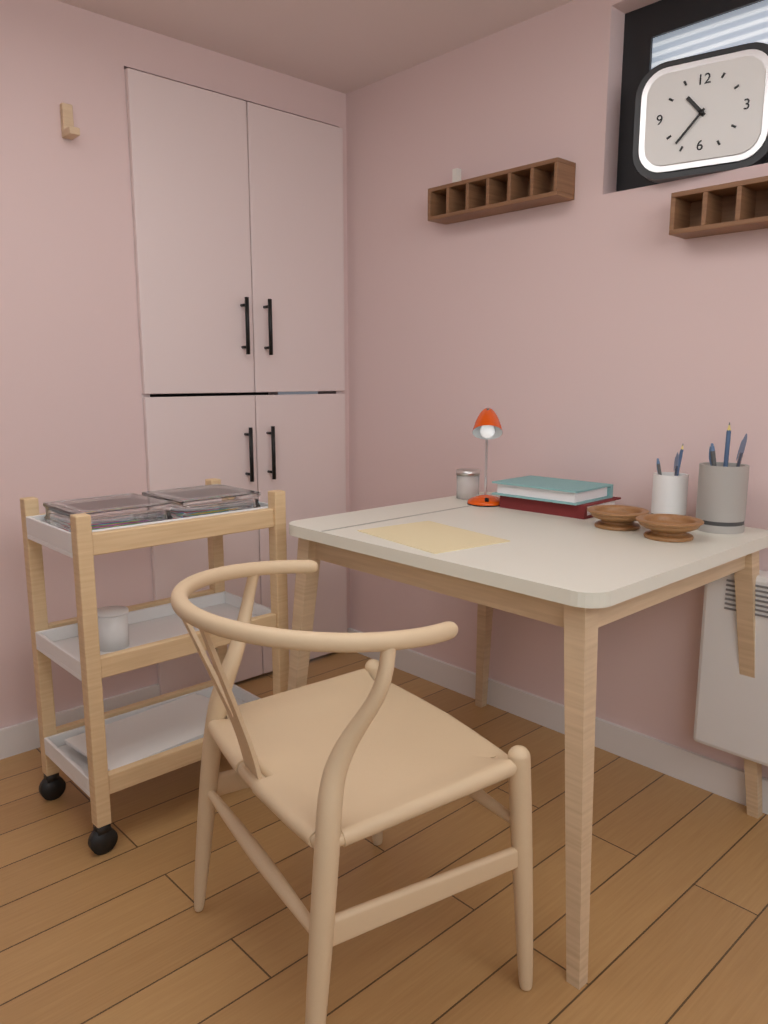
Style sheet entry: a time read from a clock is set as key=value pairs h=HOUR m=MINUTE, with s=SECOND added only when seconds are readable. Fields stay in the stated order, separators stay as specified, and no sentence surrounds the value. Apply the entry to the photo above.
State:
h=10 m=37
